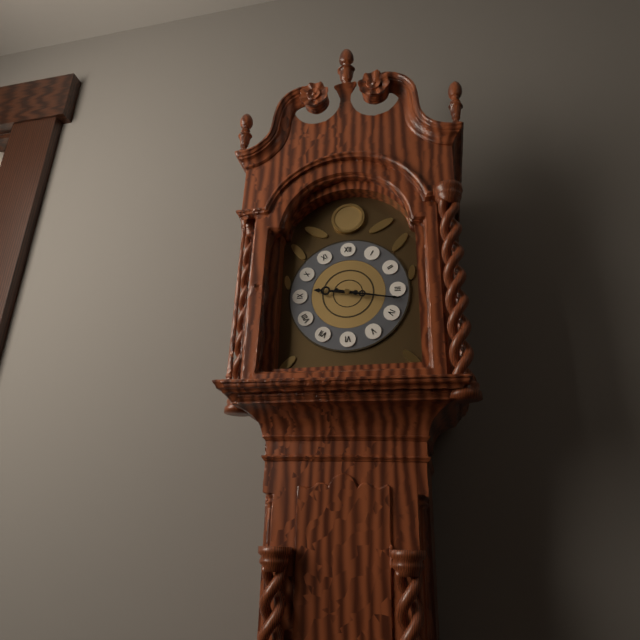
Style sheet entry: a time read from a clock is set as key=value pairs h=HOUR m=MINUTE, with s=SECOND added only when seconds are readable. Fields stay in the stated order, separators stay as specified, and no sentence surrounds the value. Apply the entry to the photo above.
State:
h=9 m=17
